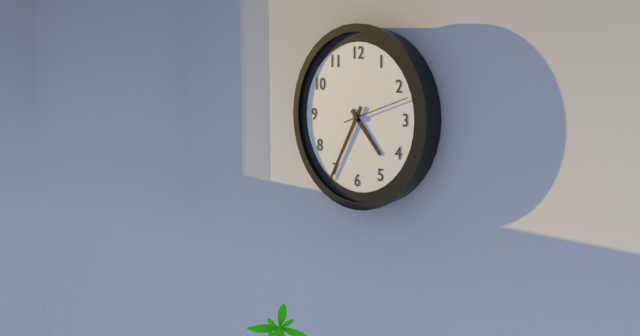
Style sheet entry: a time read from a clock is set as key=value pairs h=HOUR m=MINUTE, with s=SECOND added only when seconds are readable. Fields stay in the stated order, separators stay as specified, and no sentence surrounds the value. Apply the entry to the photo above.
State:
h=4 m=35 s=12
